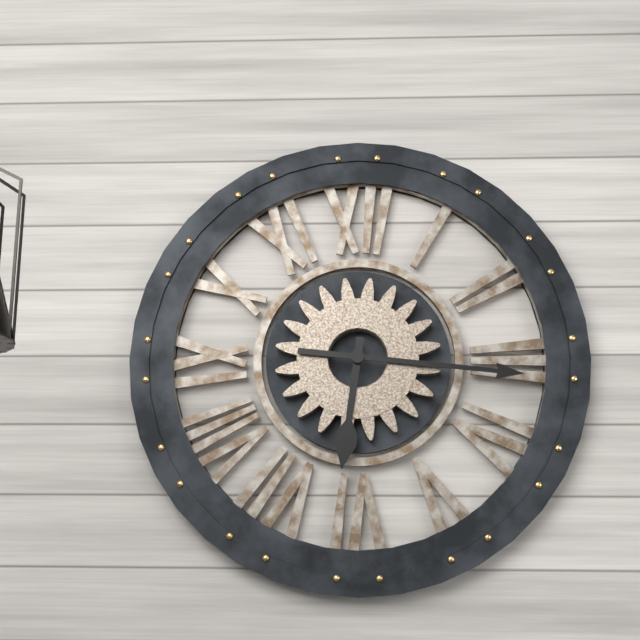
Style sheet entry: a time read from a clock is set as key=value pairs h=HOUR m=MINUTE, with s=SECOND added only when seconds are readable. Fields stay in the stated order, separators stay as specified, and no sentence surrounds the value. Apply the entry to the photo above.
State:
h=6 m=16
